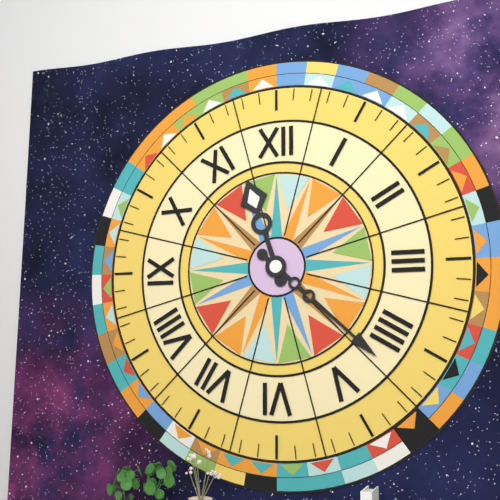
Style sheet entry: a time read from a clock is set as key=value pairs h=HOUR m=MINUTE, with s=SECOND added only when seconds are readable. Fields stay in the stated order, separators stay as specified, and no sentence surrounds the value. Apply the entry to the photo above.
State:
h=11 m=22
